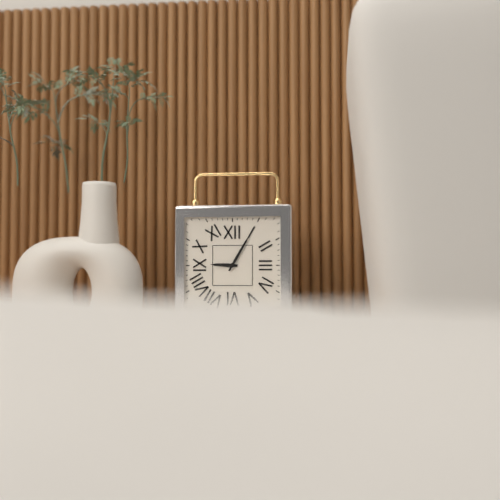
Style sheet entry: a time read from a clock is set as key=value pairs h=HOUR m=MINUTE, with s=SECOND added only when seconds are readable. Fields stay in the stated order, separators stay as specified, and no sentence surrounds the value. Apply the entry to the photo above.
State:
h=9 m=5
